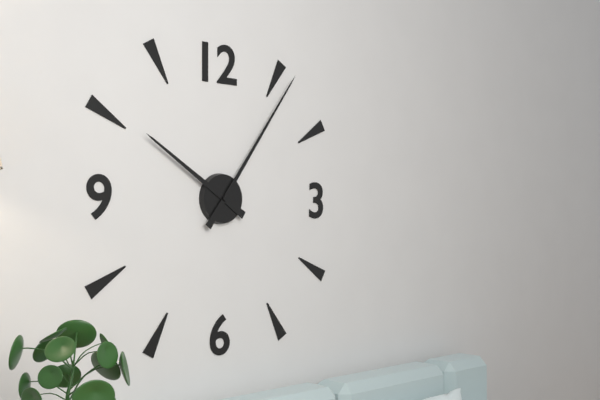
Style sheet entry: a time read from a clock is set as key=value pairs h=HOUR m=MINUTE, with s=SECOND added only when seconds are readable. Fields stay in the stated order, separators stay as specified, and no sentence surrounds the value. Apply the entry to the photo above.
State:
h=10 m=6
